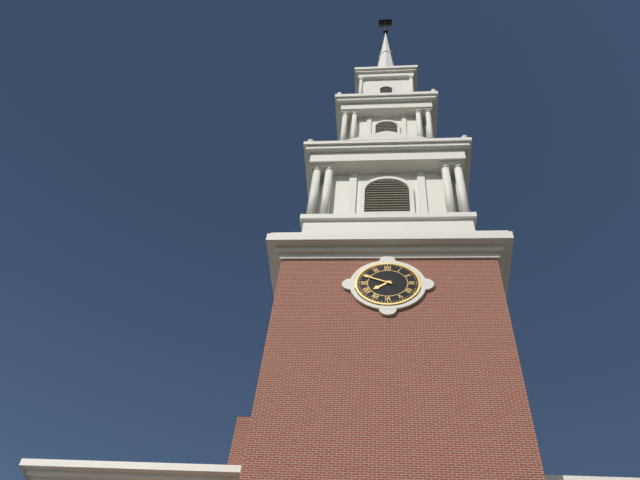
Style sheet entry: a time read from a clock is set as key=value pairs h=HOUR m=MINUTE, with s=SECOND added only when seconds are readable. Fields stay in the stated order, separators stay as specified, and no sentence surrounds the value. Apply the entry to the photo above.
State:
h=7 m=49
